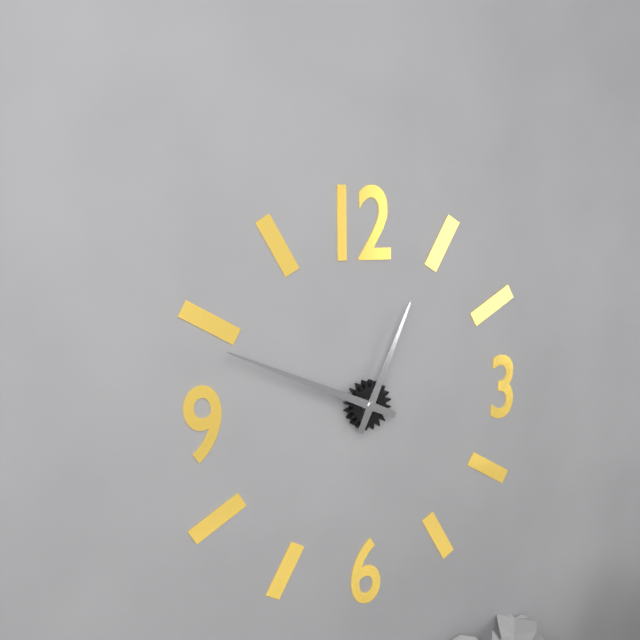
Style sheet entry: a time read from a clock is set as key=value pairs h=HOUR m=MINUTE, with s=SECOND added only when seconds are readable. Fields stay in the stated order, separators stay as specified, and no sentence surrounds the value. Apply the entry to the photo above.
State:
h=12 m=49
